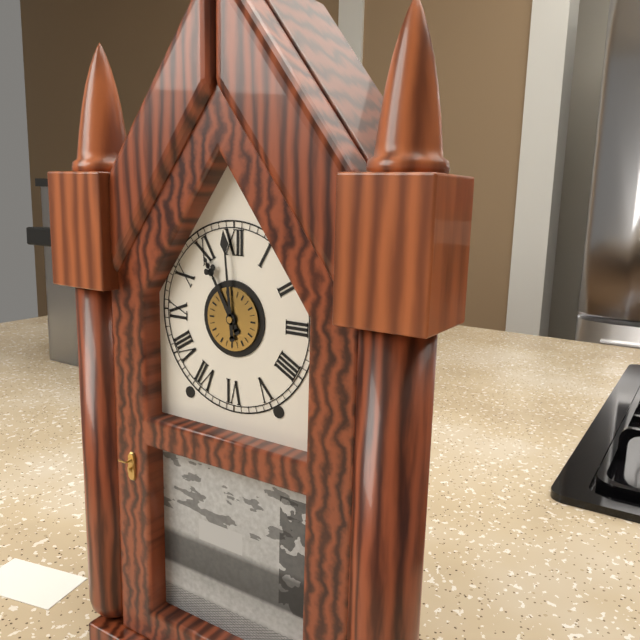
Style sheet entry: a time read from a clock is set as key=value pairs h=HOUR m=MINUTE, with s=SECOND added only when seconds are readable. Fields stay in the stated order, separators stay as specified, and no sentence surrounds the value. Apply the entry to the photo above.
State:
h=10 m=59
